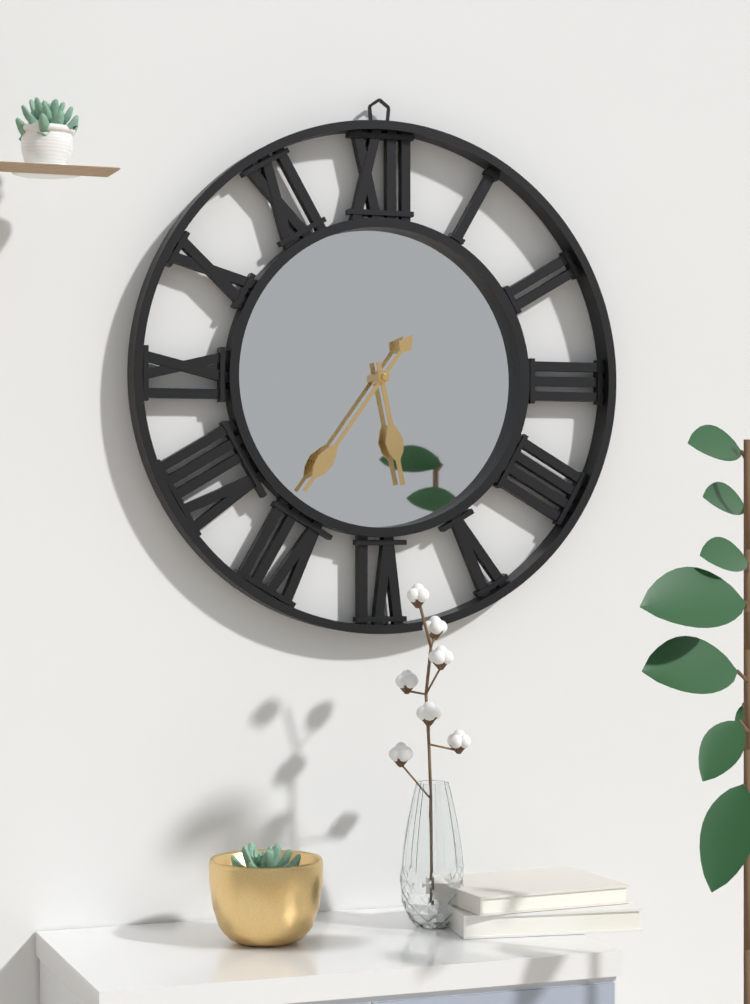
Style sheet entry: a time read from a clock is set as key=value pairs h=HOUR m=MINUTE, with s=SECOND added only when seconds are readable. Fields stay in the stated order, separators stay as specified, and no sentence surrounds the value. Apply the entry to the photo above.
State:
h=5 m=36
